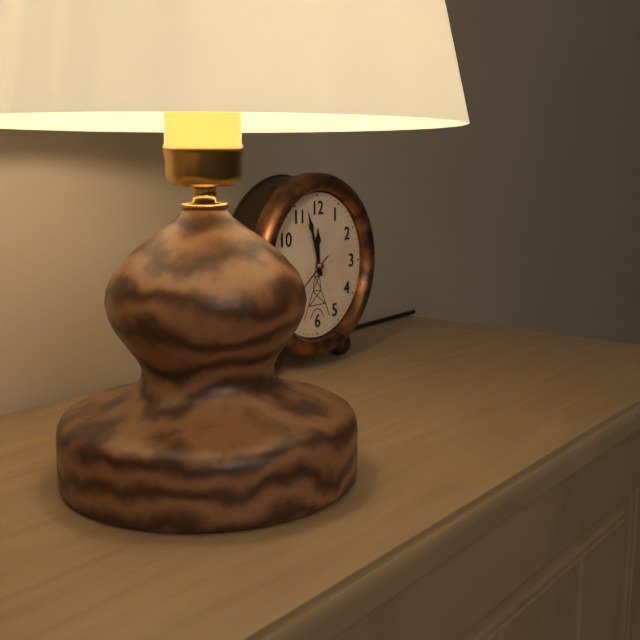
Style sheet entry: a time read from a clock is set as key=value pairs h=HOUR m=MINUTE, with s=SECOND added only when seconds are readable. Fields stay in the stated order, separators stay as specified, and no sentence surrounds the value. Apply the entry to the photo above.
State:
h=11 m=57
